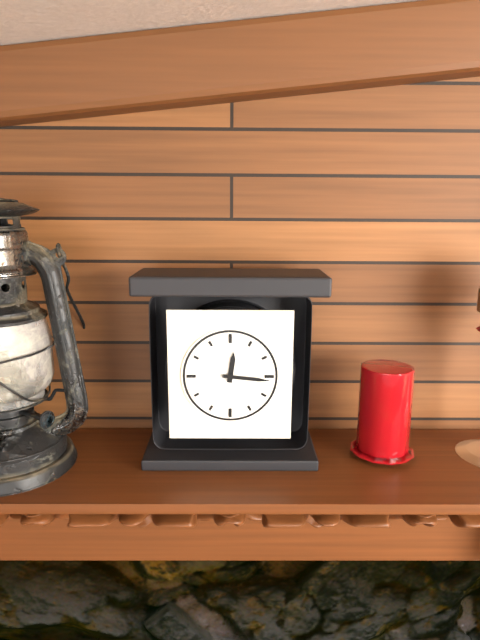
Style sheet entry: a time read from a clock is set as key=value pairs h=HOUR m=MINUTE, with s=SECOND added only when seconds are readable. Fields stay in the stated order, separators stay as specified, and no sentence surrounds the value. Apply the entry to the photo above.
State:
h=12 m=16
